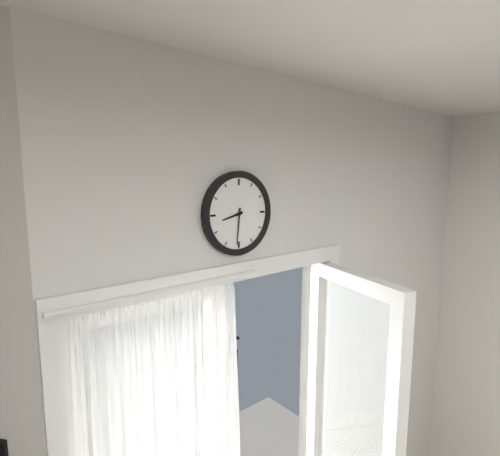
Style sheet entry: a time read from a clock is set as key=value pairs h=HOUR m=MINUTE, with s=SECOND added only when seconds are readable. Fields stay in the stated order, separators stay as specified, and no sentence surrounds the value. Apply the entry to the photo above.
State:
h=8 m=31
